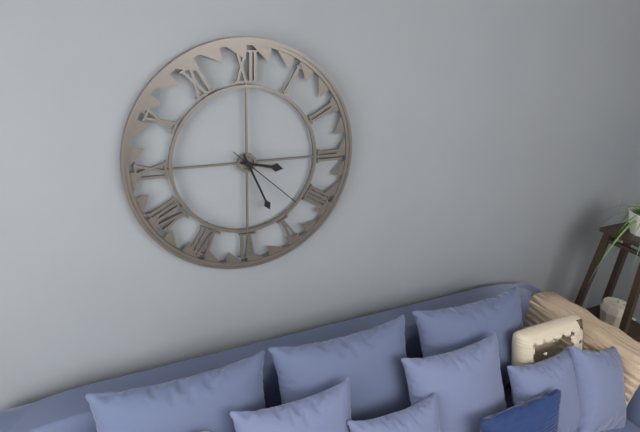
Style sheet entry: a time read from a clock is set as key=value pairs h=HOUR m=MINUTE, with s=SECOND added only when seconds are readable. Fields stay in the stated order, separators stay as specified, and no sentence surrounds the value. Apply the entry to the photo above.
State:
h=3 m=26 s=22
